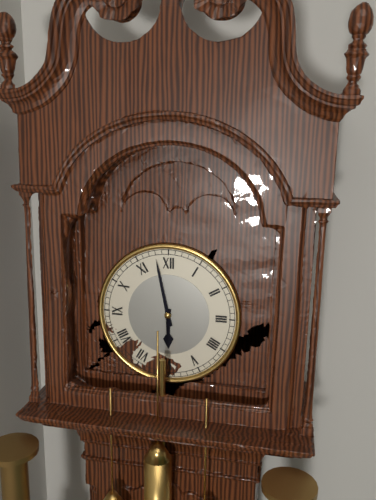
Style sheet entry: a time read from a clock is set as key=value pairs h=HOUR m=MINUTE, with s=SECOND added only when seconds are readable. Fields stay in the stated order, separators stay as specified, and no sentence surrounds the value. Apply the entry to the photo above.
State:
h=5 m=58
